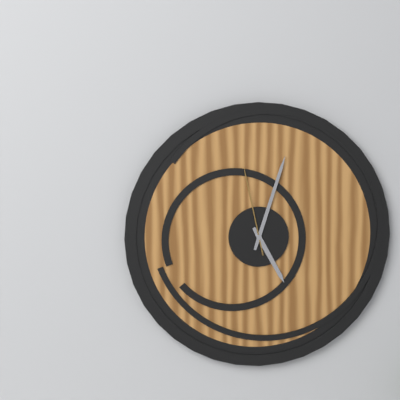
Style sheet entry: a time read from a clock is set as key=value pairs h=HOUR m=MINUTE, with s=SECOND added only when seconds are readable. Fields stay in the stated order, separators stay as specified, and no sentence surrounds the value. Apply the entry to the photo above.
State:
h=5 m=3 s=58
